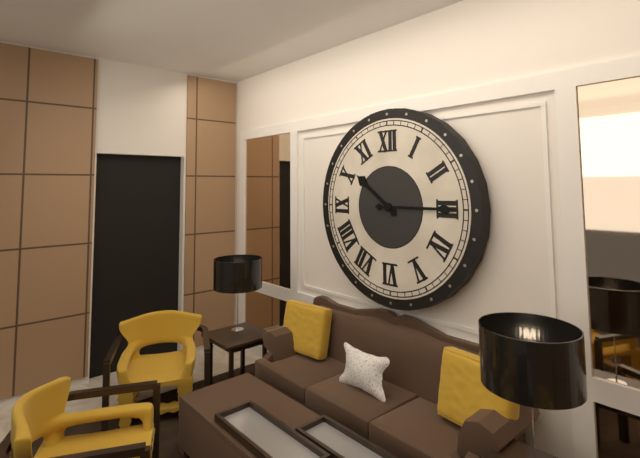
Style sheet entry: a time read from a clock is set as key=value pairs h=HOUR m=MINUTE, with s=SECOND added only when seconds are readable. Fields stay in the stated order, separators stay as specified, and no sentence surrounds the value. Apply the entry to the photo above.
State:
h=10 m=15
